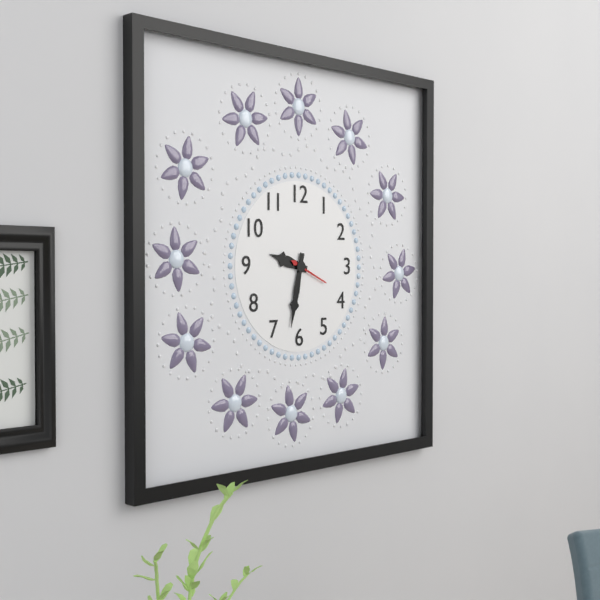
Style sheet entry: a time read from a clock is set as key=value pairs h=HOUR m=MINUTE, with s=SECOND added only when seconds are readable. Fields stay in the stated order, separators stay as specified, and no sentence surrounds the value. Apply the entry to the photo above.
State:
h=9 m=32
